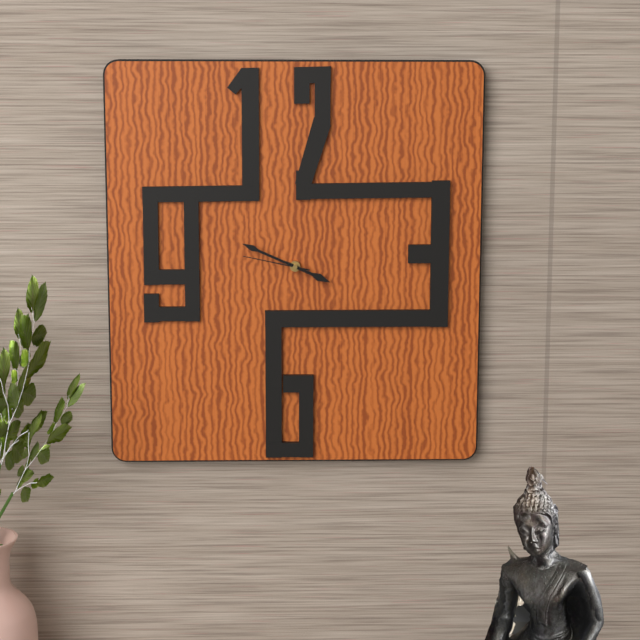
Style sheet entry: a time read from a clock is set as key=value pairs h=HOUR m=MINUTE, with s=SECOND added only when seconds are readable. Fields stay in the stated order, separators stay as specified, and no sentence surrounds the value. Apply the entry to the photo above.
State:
h=3 m=49 s=47
